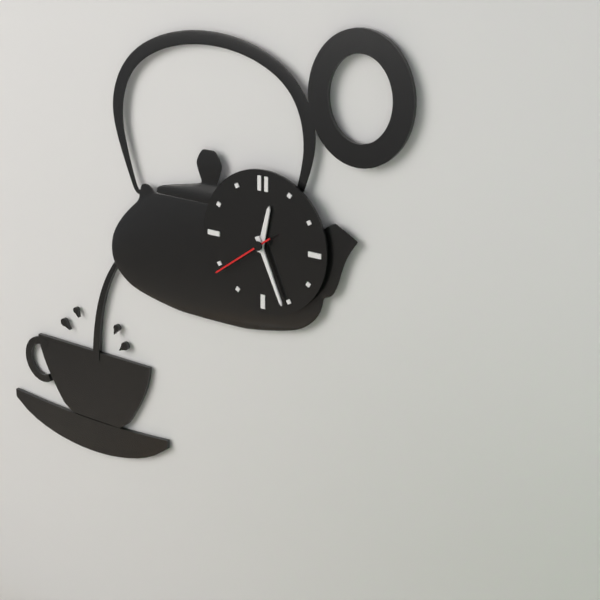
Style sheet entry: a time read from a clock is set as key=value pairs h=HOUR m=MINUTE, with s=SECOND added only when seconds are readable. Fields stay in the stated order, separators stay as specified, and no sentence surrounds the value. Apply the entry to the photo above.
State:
h=12 m=26 s=39
